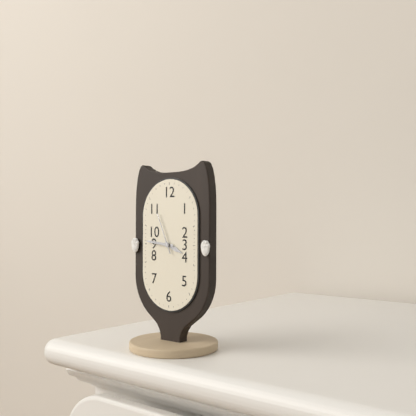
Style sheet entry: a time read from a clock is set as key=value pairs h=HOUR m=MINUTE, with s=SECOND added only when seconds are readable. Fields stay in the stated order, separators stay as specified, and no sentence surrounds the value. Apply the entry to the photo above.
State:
h=3 m=46
